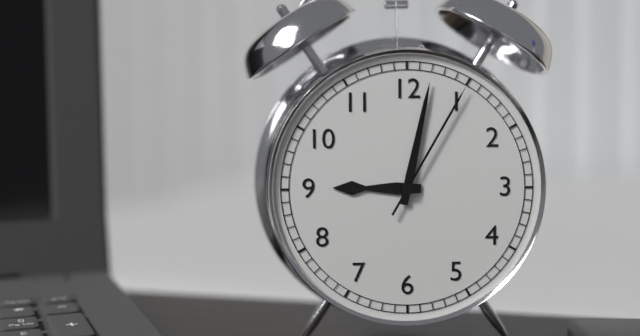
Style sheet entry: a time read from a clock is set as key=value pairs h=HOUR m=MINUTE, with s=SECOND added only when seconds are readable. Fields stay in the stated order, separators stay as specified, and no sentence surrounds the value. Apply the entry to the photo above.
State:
h=9 m=2 s=5
